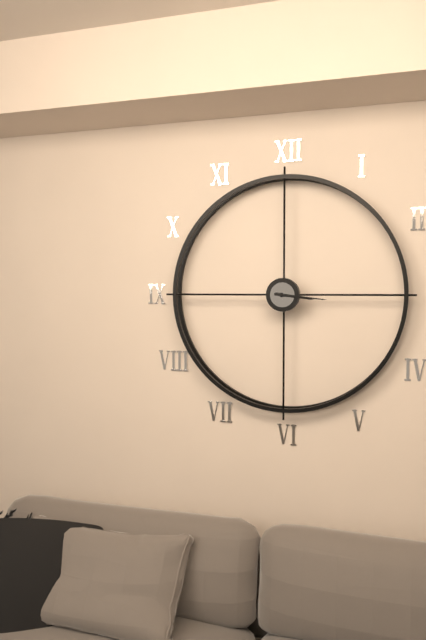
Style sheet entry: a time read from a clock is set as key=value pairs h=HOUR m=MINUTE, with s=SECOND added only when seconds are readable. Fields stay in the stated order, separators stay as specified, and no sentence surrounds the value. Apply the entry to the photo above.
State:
h=3 m=16
